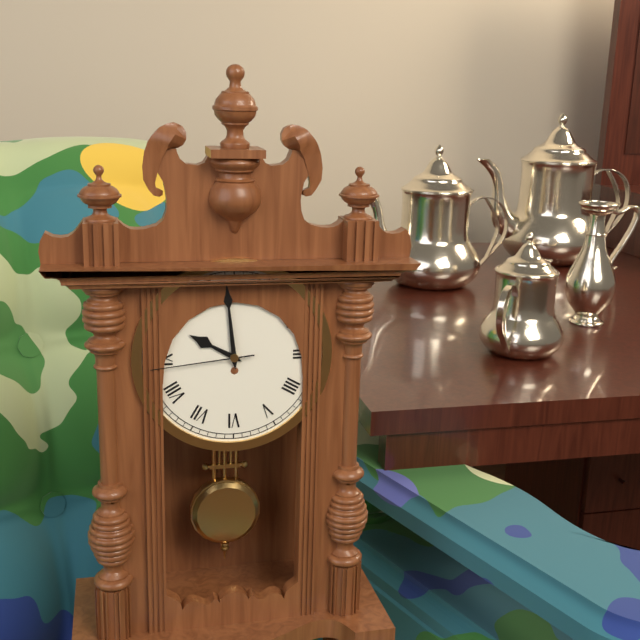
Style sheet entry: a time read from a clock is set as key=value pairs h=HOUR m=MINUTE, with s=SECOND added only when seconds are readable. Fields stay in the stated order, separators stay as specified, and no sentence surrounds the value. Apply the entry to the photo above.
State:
h=9 m=59 s=44
